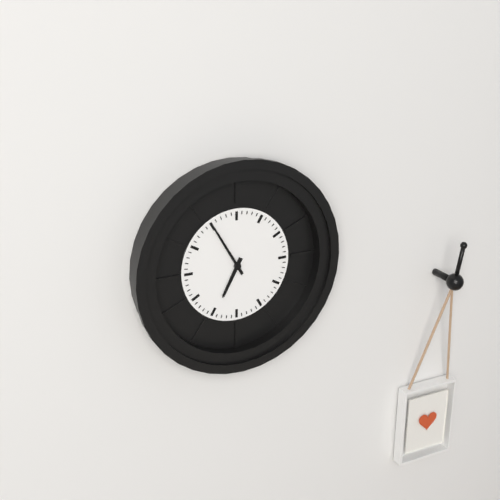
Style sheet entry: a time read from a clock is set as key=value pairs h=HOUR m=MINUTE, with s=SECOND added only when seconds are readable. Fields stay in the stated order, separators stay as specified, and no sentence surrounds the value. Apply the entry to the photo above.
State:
h=6 m=55
